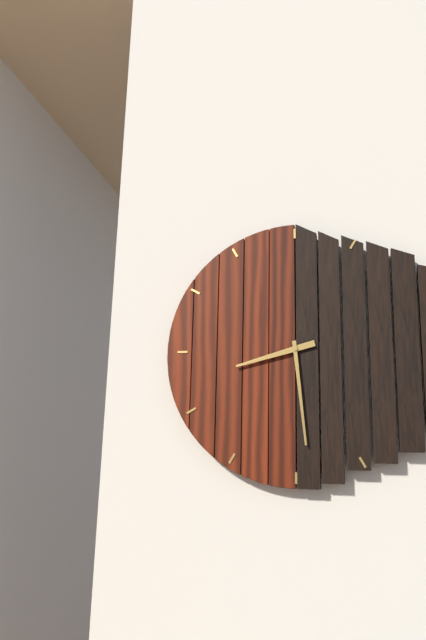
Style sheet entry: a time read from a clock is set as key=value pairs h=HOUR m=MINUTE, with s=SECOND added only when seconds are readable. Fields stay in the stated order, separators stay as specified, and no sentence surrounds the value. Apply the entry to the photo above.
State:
h=8 m=29
